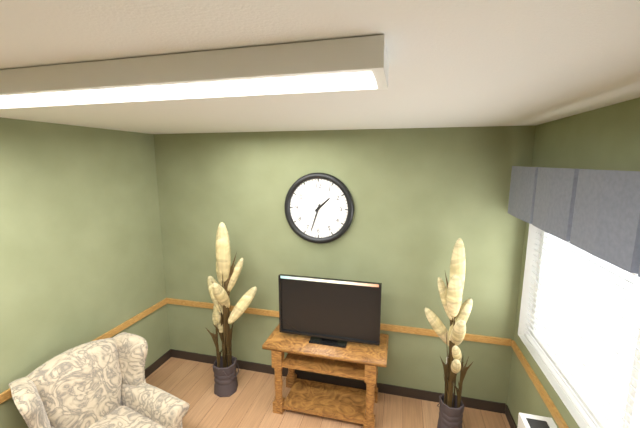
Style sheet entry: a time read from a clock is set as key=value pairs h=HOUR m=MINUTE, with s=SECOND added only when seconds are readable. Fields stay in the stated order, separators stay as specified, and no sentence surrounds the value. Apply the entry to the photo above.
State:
h=1 m=33
